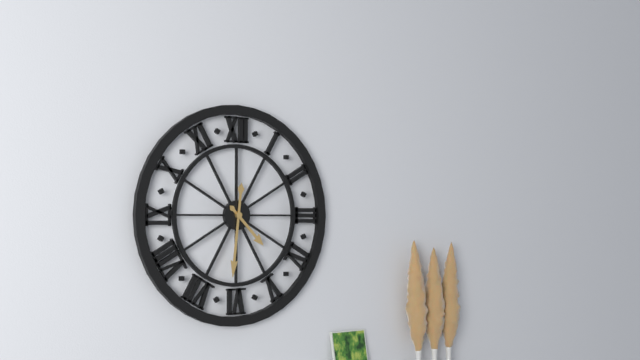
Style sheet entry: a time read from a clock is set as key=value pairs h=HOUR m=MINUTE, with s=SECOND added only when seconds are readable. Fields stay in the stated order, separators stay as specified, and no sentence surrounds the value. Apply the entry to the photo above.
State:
h=4 m=31
